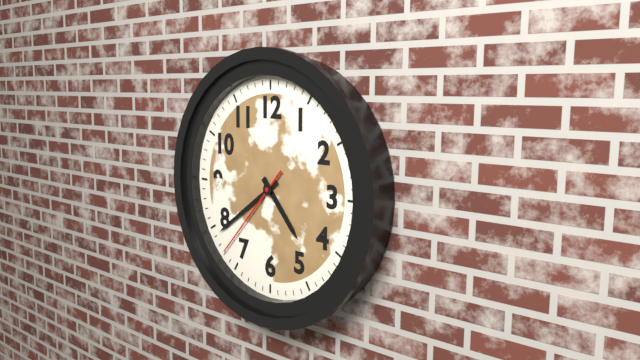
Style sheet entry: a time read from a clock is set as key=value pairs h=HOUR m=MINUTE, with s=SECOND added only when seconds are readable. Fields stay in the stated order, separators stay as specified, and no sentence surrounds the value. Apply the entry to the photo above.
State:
h=4 m=39 s=37
